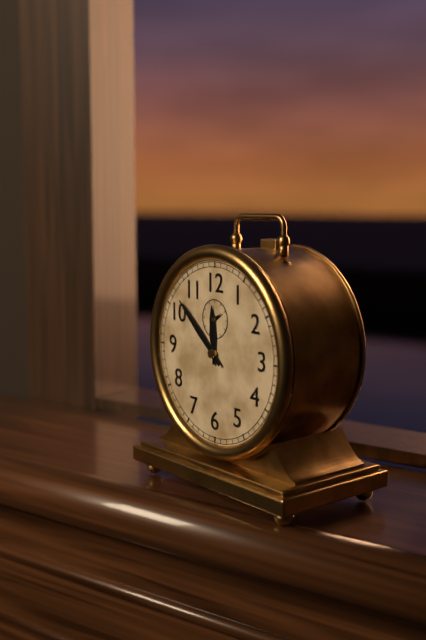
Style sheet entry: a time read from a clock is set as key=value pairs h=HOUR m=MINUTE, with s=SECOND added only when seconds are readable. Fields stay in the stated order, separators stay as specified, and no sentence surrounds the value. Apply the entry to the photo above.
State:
h=11 m=52
